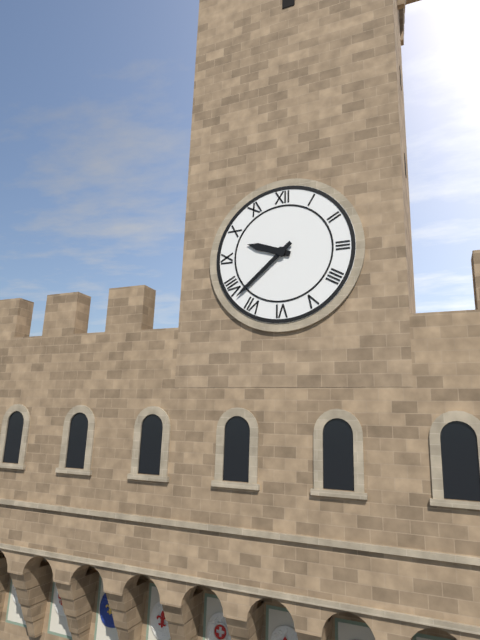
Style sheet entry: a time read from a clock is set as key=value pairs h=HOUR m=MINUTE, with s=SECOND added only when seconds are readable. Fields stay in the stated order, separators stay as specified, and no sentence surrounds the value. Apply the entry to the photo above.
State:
h=9 m=38
